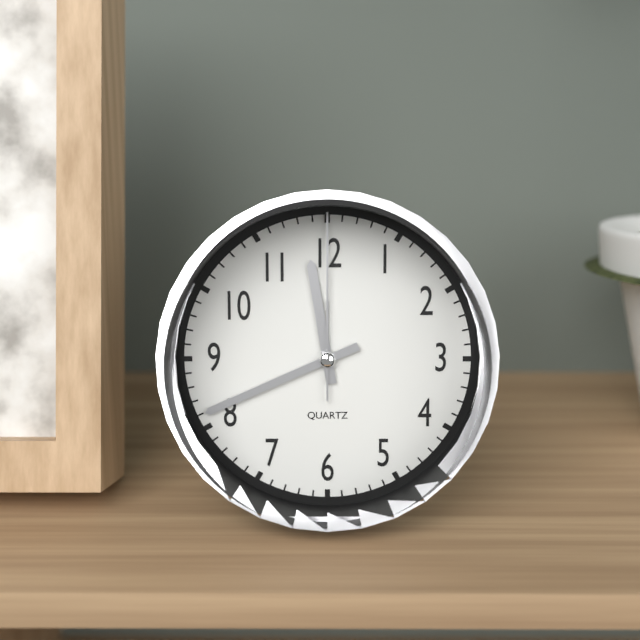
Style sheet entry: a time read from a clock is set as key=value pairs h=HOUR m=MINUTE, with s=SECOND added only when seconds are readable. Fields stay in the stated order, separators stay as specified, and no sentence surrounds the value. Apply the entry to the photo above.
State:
h=11 m=41 s=0
